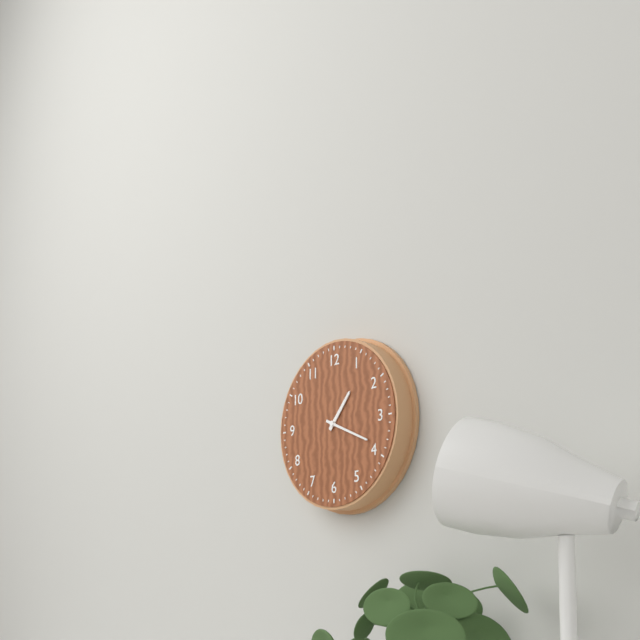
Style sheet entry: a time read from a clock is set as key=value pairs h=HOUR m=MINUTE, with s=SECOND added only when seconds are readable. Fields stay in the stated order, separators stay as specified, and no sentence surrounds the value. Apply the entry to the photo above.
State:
h=1 m=19
